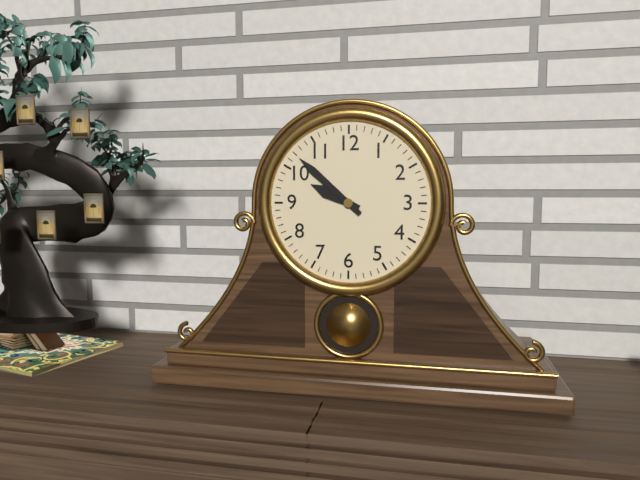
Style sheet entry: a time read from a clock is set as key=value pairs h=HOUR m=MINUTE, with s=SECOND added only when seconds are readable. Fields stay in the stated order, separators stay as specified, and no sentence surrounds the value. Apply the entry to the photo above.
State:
h=9 m=52
